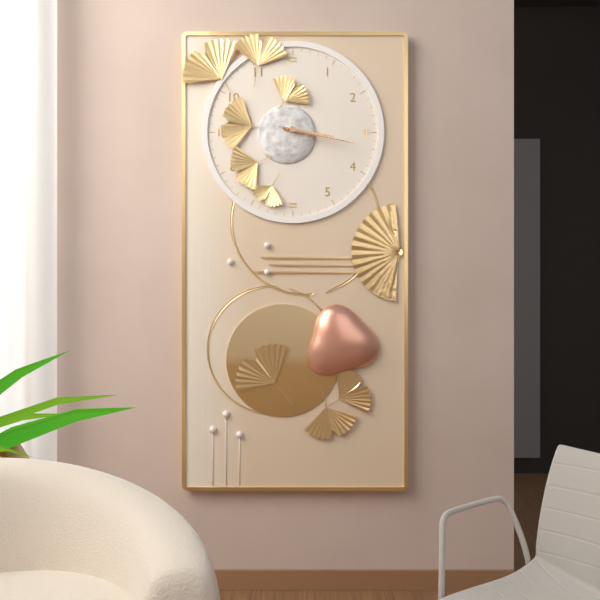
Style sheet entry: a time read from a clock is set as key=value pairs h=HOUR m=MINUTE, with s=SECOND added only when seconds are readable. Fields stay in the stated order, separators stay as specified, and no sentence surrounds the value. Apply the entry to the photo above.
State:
h=3 m=17 s=17
